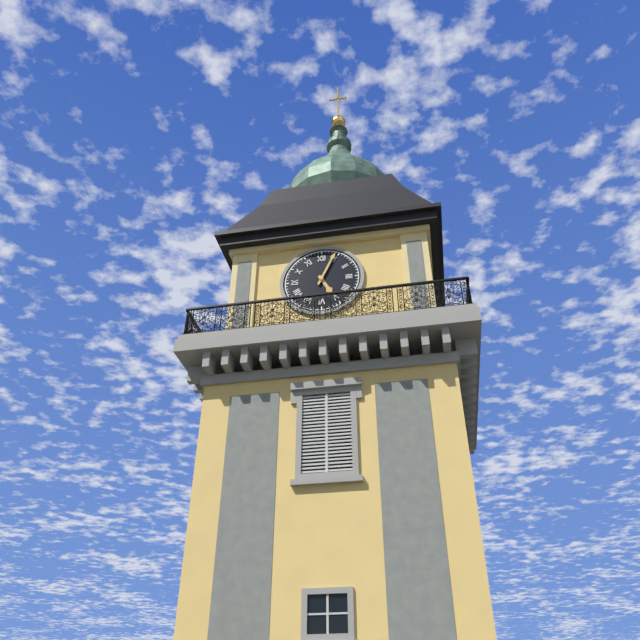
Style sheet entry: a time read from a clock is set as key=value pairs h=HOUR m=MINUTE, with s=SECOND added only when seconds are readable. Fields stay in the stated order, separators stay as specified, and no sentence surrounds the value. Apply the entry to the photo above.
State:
h=5 m=4
